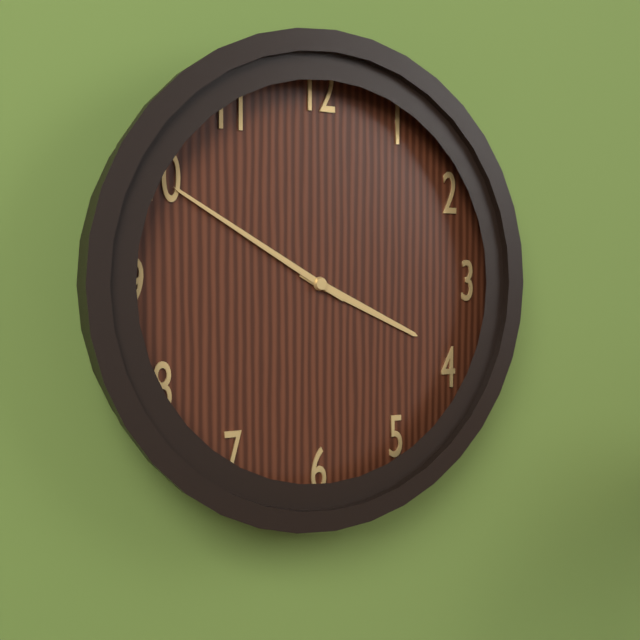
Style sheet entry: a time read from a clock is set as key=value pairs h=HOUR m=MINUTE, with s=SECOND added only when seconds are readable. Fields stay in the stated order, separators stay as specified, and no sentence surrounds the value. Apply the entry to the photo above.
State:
h=3 m=50
